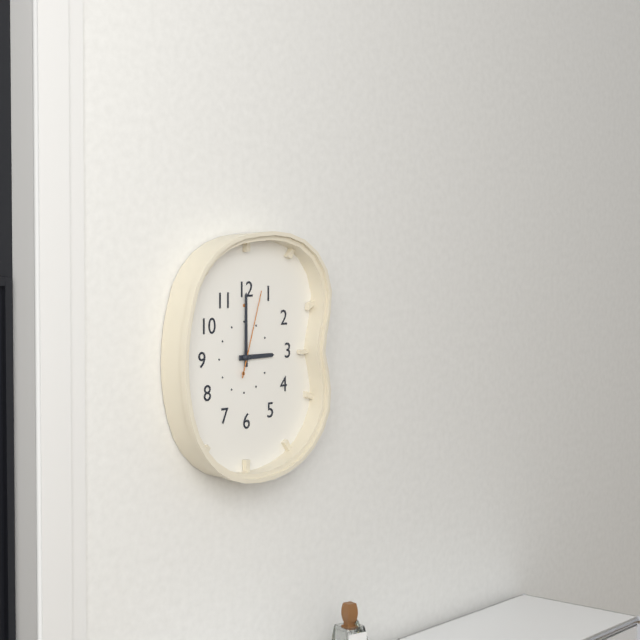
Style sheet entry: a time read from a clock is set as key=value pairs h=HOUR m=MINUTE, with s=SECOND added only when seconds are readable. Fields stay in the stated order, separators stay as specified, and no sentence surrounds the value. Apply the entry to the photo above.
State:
h=3 m=0 s=3
